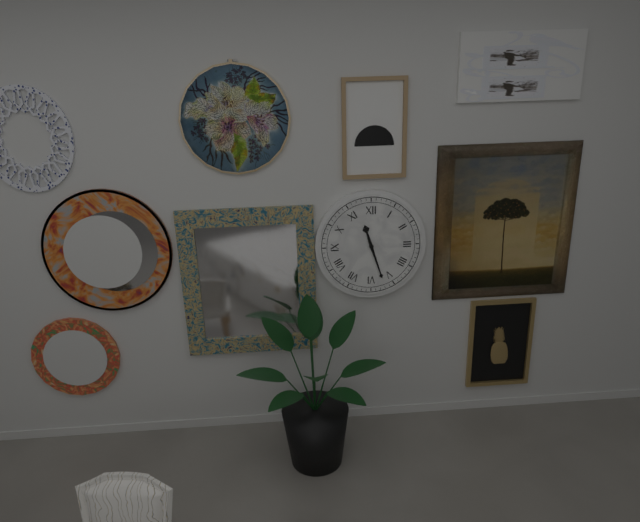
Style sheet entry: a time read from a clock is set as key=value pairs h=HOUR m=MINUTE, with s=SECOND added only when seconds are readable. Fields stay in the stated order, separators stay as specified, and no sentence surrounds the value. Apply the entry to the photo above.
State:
h=11 m=27
